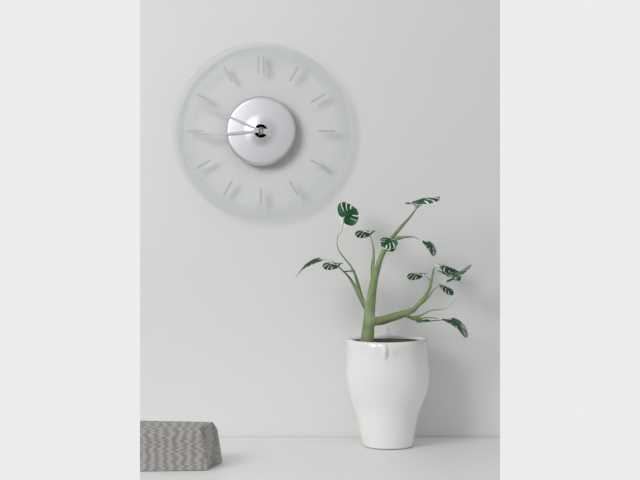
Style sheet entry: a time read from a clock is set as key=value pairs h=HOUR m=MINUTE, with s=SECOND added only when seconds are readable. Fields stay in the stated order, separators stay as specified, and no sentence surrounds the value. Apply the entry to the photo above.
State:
h=8 m=49
